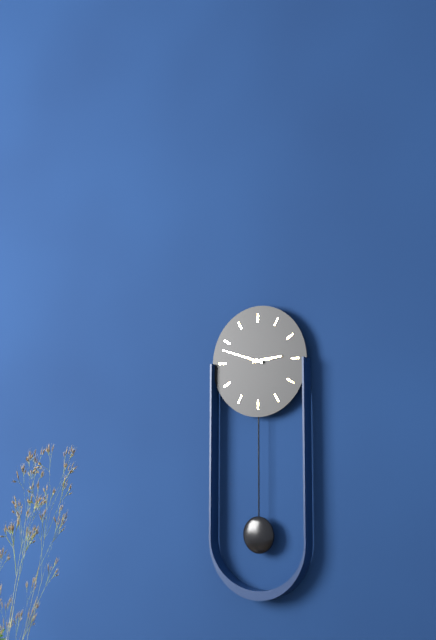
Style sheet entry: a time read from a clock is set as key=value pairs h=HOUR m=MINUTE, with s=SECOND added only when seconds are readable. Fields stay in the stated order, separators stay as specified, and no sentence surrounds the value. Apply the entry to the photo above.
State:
h=2 m=48
